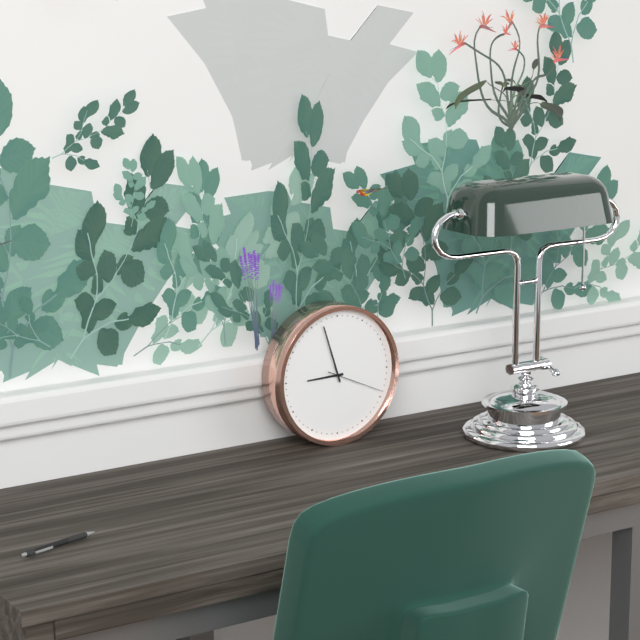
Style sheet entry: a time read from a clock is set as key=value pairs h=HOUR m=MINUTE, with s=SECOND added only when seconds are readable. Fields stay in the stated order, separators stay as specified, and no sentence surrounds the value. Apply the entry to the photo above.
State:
h=8 m=57 s=19
